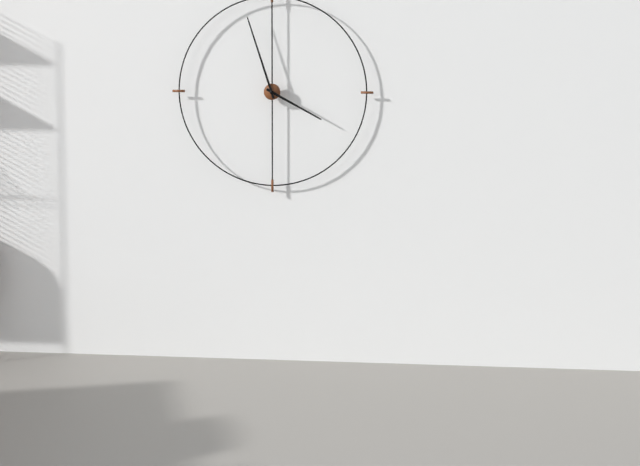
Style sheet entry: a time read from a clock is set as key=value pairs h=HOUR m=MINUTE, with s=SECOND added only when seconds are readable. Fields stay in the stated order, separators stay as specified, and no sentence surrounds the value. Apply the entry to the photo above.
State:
h=3 m=57
